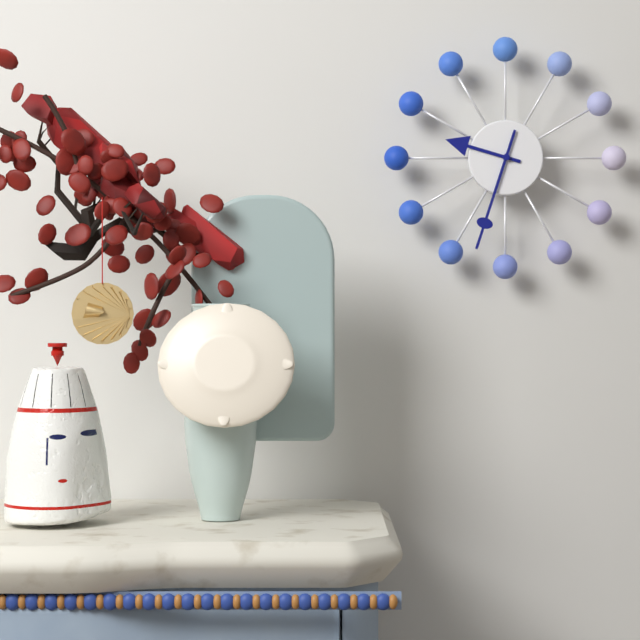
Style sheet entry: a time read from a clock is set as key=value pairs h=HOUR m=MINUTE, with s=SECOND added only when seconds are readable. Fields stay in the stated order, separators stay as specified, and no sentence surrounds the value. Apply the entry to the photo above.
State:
h=9 m=33
